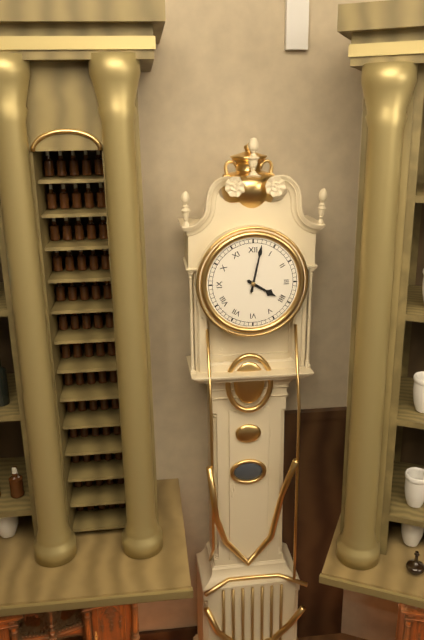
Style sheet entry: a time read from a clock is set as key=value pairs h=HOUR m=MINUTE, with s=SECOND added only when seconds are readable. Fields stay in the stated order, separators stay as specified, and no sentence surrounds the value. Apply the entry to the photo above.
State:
h=4 m=2
